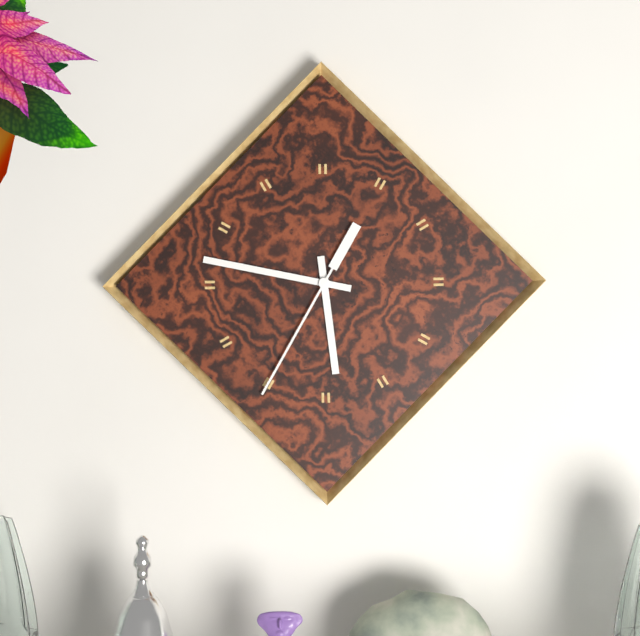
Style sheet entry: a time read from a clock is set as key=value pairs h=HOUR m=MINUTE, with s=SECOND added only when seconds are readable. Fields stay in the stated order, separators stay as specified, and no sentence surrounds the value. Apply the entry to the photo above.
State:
h=5 m=47 s=35
